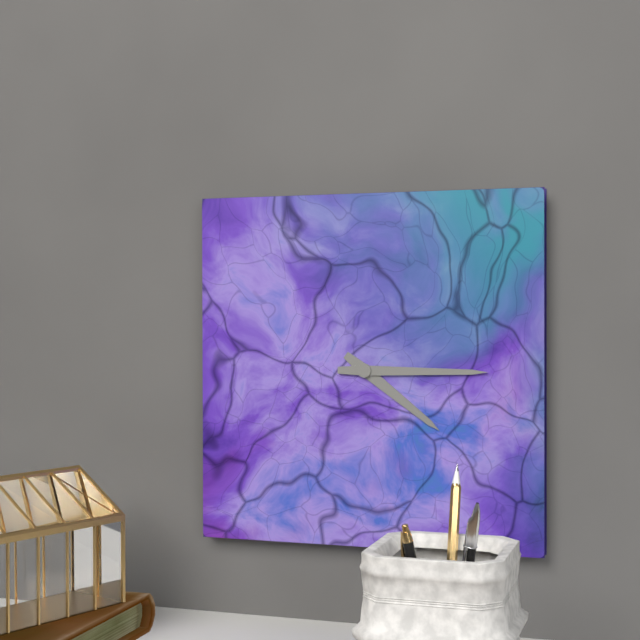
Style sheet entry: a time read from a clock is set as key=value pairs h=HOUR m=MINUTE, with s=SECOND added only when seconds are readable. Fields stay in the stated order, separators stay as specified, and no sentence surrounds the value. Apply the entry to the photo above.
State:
h=4 m=15
